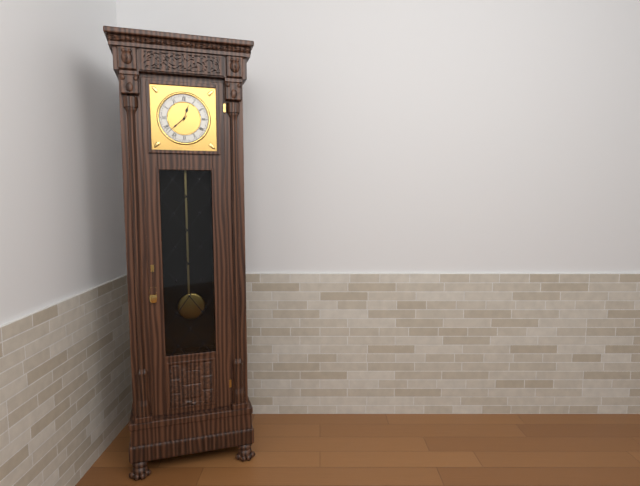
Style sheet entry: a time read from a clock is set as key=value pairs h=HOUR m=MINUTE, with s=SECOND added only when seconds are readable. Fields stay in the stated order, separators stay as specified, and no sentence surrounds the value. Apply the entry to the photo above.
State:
h=12 m=38
